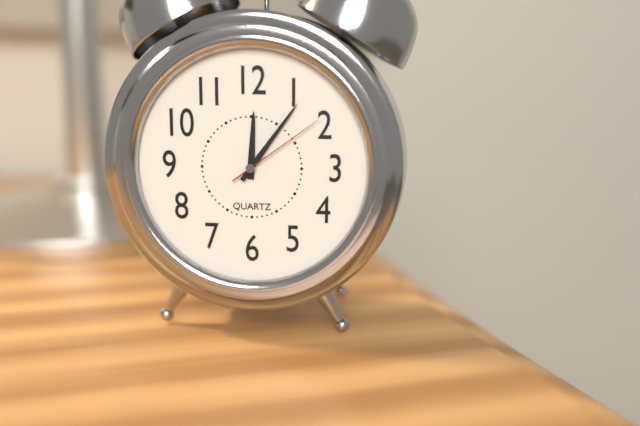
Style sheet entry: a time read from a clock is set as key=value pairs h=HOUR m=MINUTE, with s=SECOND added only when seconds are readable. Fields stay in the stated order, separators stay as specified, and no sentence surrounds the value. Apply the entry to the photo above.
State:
h=12 m=6 s=9
